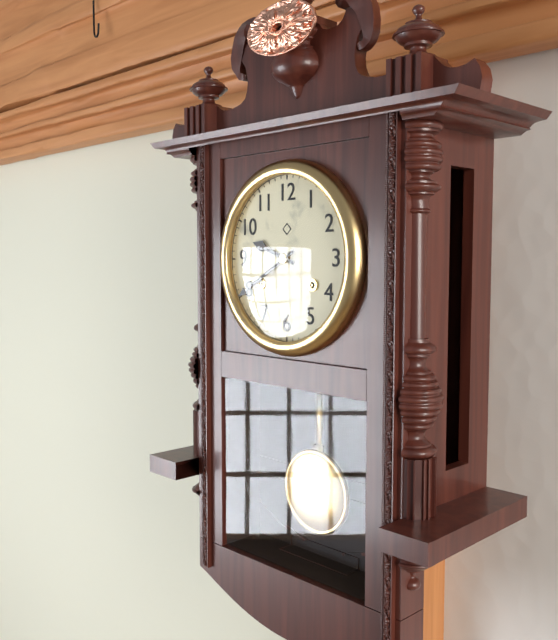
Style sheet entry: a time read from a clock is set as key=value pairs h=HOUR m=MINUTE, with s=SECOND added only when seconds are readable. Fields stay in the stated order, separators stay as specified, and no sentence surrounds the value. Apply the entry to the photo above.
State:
h=9 m=40
